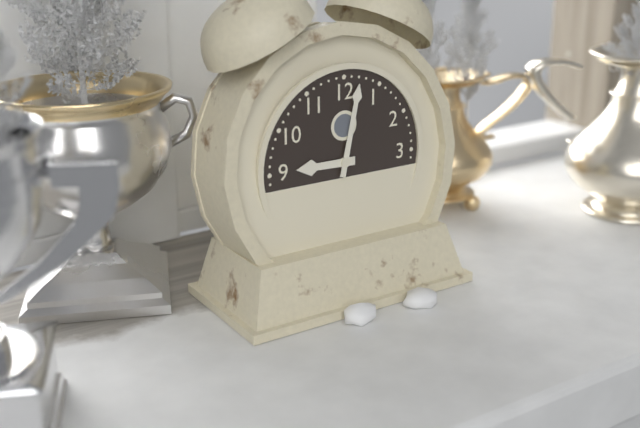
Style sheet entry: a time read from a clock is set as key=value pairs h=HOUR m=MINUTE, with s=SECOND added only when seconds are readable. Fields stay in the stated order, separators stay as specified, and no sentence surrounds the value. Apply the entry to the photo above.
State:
h=9 m=2
